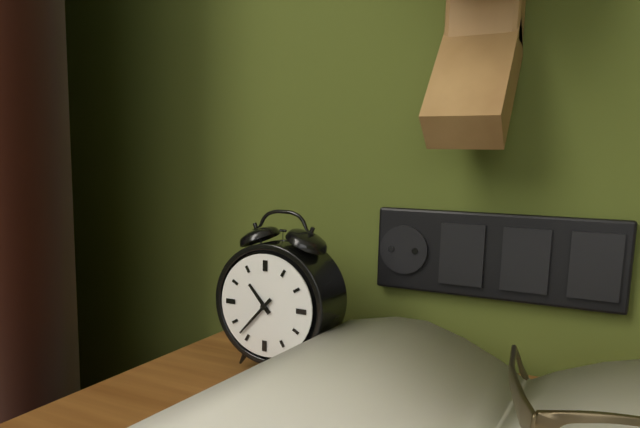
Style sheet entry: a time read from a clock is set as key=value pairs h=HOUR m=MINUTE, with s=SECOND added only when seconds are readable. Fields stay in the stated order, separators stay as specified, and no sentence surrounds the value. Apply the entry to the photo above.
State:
h=10 m=37
